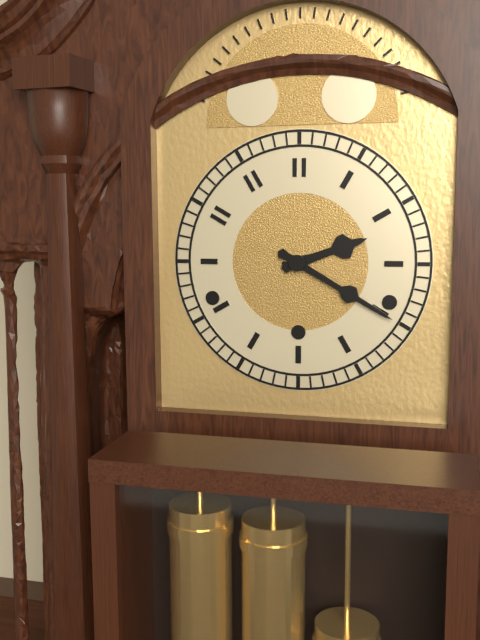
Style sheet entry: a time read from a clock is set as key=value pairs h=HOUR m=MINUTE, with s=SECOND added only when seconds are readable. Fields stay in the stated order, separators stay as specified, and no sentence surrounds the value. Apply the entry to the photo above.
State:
h=2 m=20
